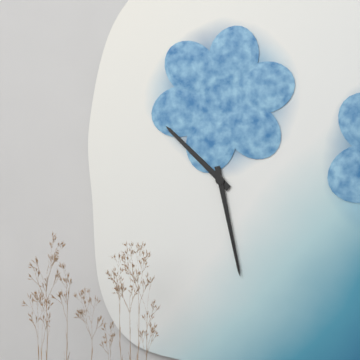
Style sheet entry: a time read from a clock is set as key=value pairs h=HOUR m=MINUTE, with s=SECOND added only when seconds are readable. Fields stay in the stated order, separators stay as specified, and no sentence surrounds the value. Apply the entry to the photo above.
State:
h=10 m=28
